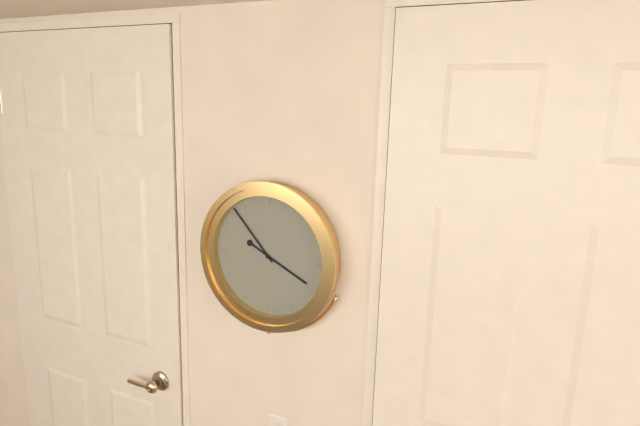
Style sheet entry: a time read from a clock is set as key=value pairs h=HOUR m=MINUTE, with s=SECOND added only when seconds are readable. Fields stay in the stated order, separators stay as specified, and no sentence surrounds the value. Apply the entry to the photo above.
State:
h=3 m=53
